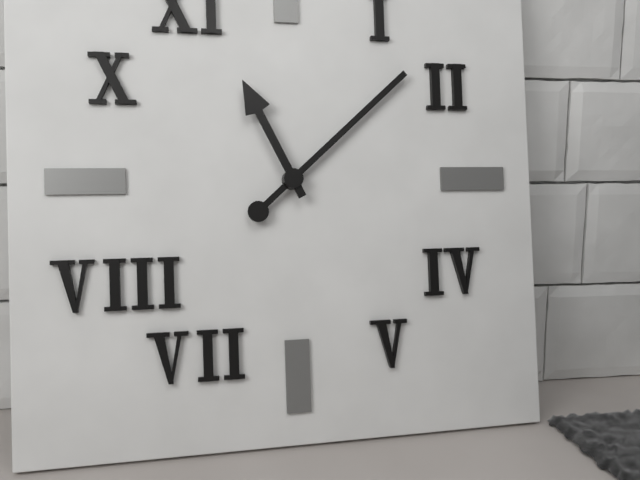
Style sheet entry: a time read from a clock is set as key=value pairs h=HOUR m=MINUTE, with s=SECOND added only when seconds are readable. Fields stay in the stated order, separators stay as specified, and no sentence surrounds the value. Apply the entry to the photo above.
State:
h=11 m=8
